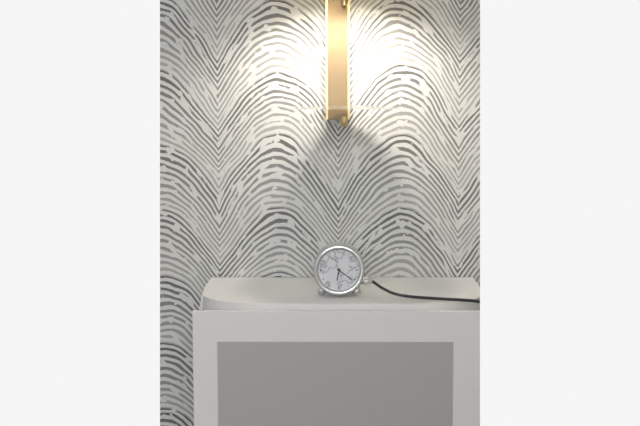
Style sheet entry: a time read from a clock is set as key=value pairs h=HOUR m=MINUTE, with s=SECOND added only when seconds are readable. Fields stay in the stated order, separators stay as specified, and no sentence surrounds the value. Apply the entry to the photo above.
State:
h=6 m=21
